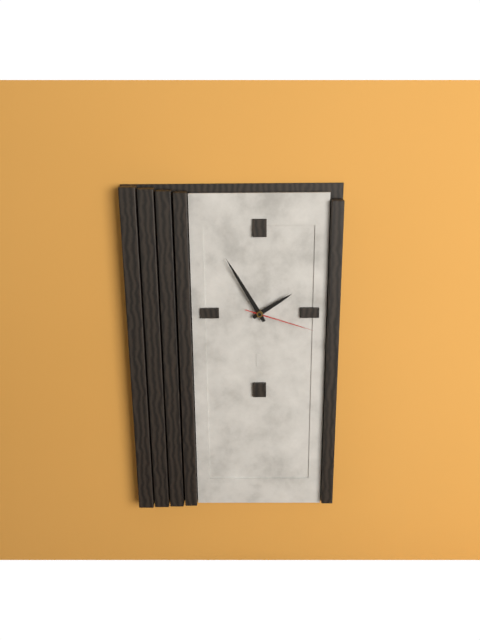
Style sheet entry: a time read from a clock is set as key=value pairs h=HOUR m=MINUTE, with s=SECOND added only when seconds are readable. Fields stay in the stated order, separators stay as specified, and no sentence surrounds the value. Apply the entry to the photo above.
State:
h=1 m=55 s=18
